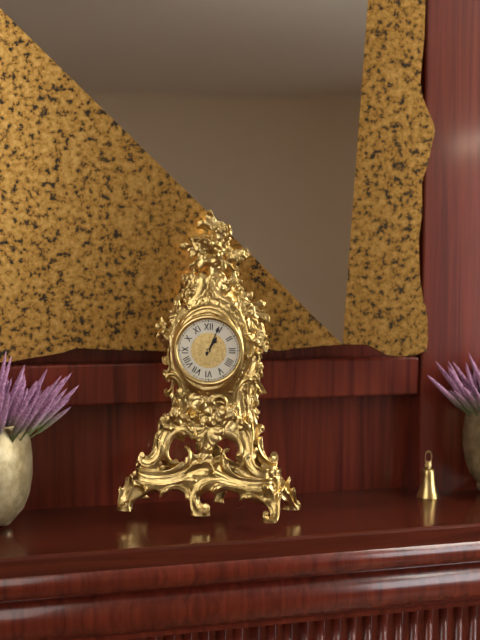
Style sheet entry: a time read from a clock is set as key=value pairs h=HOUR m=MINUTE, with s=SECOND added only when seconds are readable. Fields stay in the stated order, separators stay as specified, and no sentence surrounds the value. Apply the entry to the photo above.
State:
h=1 m=4
